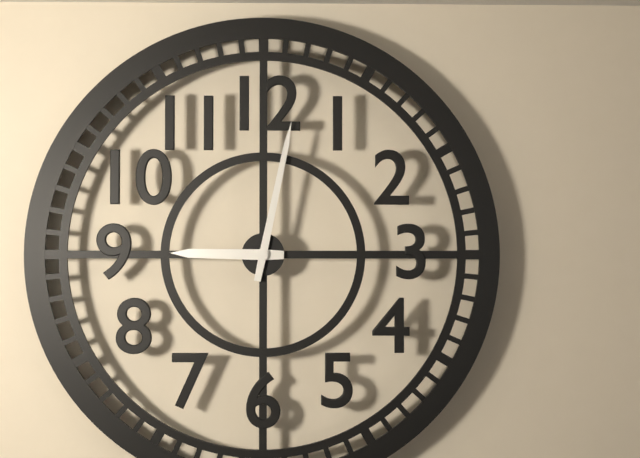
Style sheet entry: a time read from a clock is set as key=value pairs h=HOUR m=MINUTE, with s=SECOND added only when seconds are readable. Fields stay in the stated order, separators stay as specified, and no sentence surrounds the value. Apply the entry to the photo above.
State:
h=9 m=2
